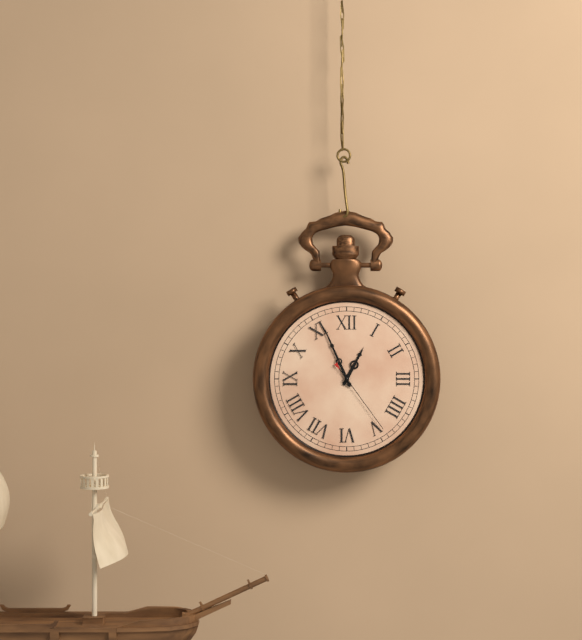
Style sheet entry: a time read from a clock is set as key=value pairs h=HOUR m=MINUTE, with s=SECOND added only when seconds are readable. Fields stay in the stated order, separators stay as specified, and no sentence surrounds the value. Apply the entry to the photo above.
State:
h=12 m=56 s=24
